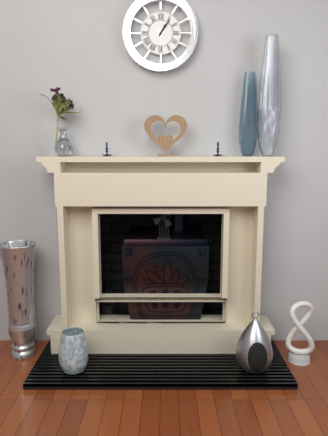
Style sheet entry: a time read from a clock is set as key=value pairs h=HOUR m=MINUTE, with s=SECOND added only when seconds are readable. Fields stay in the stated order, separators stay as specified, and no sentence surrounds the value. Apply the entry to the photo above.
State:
h=1 m=6
